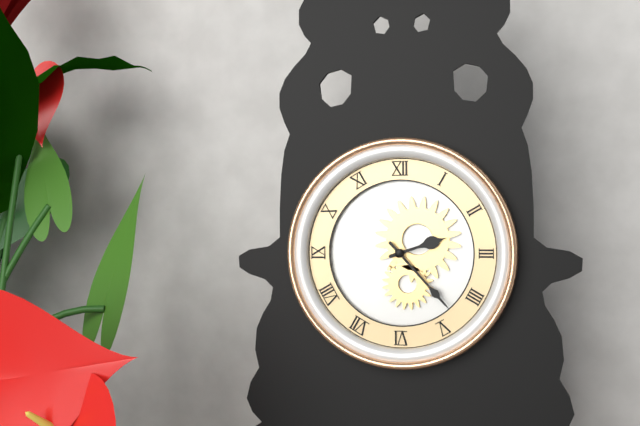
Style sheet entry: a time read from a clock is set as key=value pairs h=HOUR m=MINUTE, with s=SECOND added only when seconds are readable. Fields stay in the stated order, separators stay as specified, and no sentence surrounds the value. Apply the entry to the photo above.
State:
h=2 m=23
